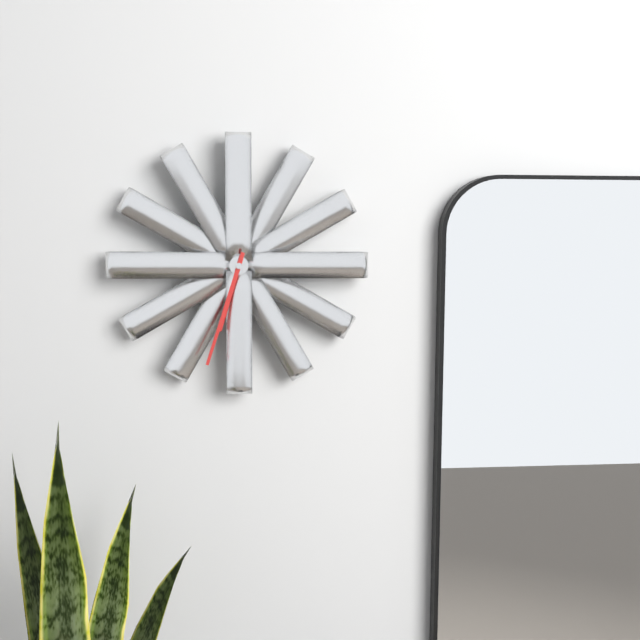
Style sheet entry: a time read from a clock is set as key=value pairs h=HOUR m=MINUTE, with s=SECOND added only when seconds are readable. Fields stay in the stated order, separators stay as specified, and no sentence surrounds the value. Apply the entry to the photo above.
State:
h=6 m=33
